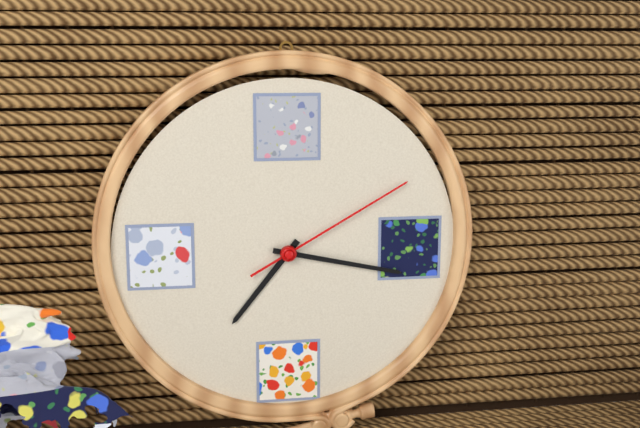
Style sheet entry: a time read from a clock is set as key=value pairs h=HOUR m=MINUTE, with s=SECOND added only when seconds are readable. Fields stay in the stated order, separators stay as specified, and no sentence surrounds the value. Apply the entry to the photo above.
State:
h=7 m=17 s=10
